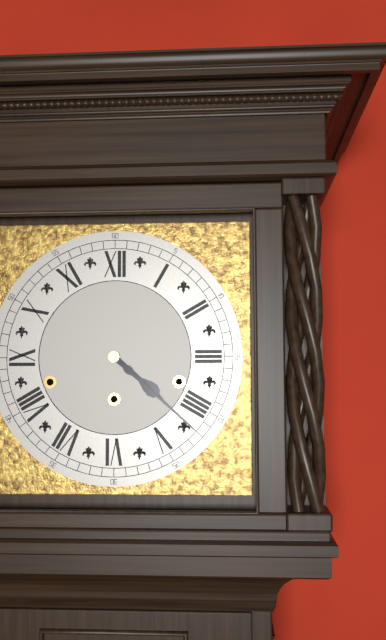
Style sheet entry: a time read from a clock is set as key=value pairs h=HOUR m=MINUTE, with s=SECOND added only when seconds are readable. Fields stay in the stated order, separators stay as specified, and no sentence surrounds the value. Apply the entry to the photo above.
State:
h=4 m=22
